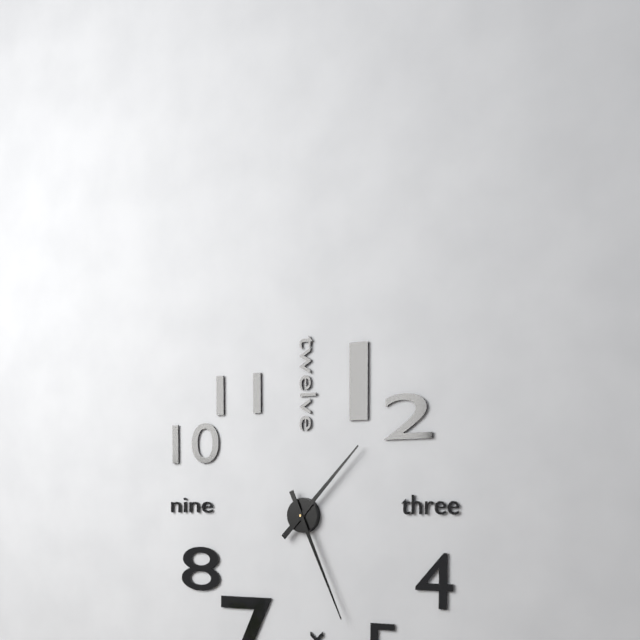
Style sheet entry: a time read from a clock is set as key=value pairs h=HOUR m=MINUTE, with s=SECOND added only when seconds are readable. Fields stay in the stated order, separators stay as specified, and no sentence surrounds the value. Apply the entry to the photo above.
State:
h=1 m=26
